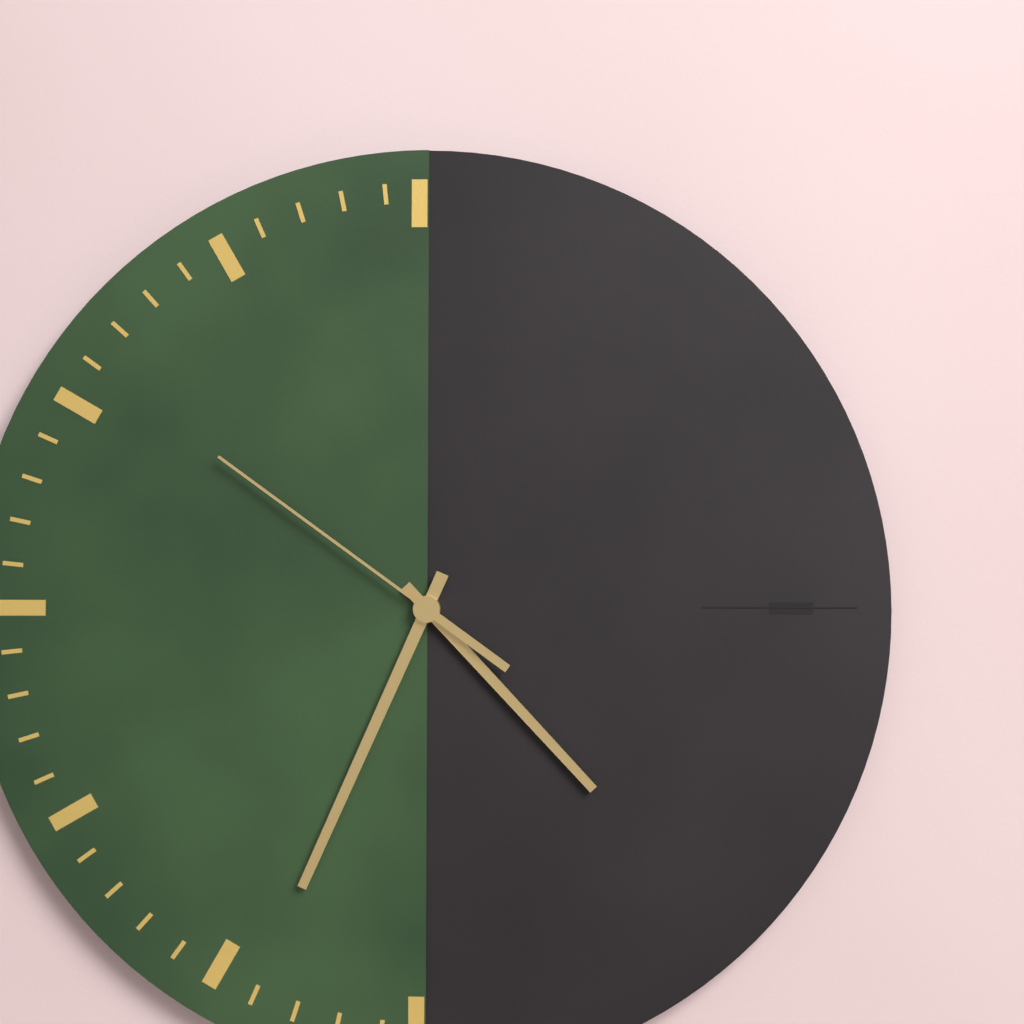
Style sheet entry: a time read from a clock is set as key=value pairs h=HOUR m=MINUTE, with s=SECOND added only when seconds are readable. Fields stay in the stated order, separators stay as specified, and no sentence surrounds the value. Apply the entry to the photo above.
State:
h=4 m=34 s=51
